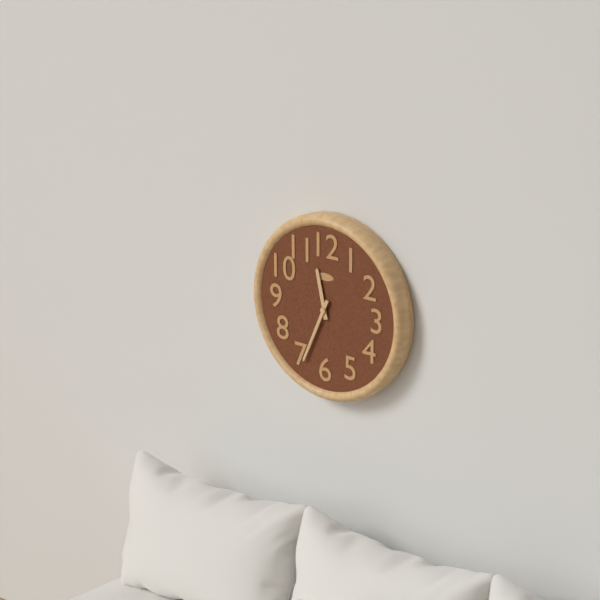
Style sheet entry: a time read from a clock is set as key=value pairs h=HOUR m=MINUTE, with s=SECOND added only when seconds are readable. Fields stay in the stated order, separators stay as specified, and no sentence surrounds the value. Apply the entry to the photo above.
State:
h=11 m=34
